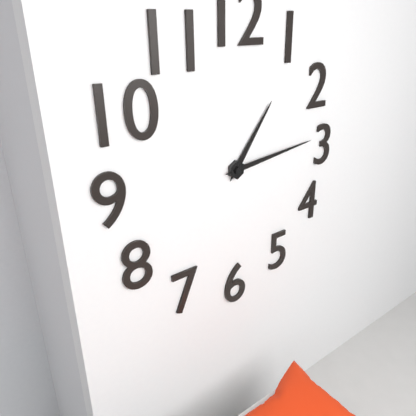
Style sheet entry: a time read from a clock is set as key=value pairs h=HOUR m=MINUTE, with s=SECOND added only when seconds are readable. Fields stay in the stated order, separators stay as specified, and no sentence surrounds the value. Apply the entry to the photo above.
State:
h=1 m=14
